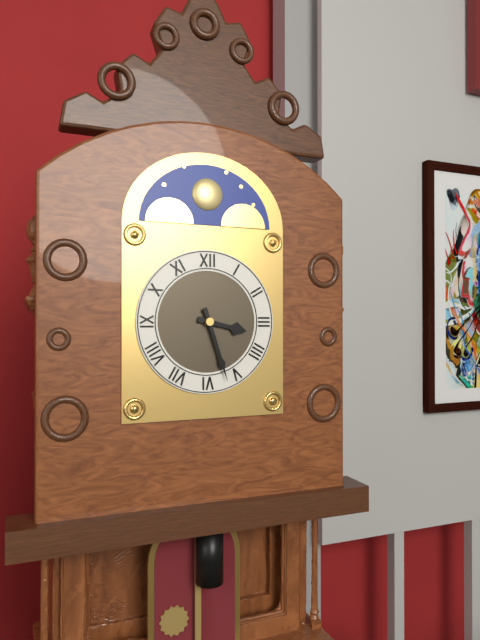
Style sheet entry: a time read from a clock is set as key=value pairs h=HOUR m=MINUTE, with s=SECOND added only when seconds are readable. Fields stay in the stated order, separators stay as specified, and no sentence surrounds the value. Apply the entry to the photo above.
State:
h=3 m=27
